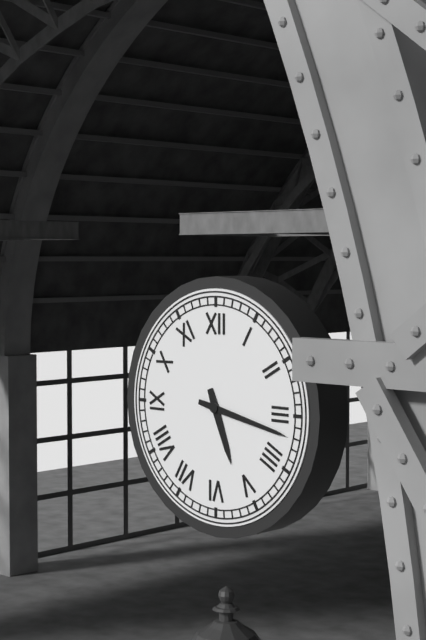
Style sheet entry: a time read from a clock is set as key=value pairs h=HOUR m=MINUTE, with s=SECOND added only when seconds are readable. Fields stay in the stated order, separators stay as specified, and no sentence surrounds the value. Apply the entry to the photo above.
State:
h=5 m=17
